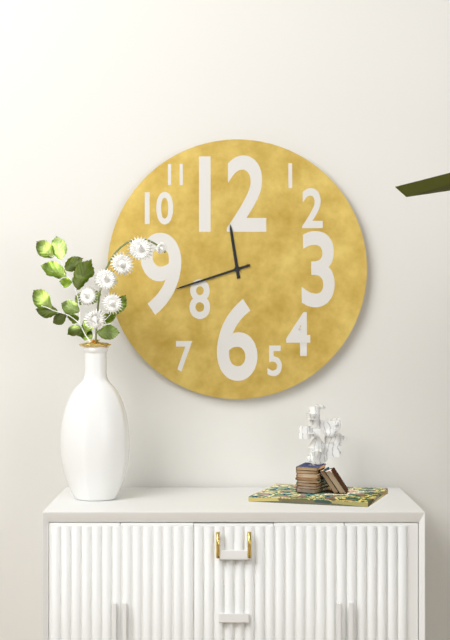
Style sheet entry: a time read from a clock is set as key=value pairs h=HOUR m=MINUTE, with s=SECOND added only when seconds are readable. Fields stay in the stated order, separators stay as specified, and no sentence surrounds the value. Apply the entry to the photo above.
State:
h=11 m=42
